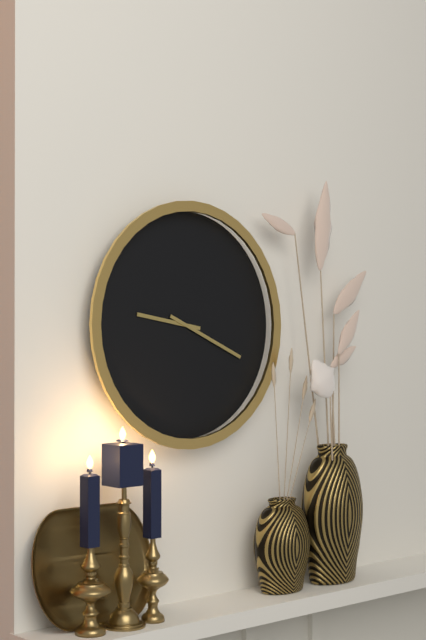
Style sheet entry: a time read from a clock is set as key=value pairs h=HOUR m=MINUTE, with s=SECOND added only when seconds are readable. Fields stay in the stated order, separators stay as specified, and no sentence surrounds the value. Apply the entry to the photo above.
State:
h=9 m=19
